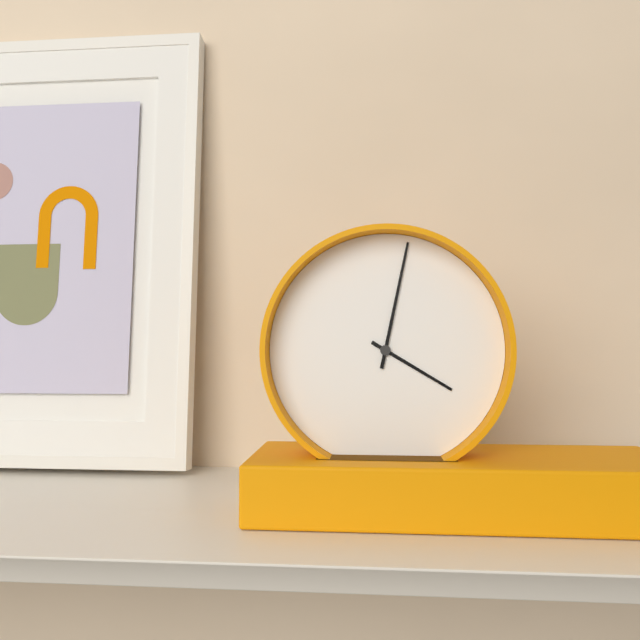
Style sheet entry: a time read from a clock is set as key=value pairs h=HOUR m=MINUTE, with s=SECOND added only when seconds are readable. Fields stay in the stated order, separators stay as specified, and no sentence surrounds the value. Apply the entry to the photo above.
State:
h=4 m=2
